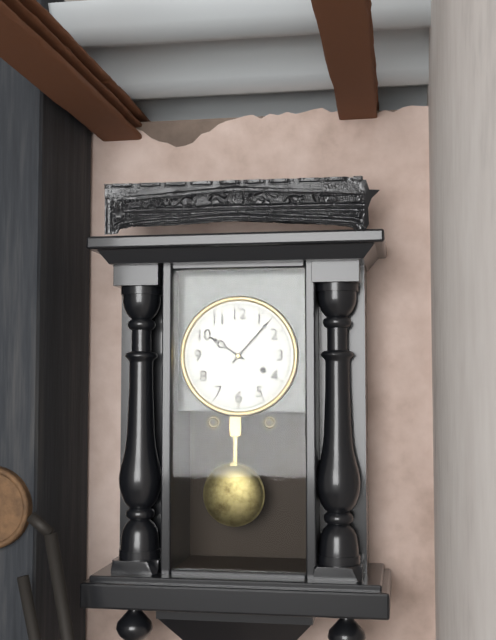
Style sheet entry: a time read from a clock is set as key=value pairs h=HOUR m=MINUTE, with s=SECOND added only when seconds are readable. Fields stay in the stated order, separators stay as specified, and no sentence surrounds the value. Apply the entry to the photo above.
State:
h=10 m=7
